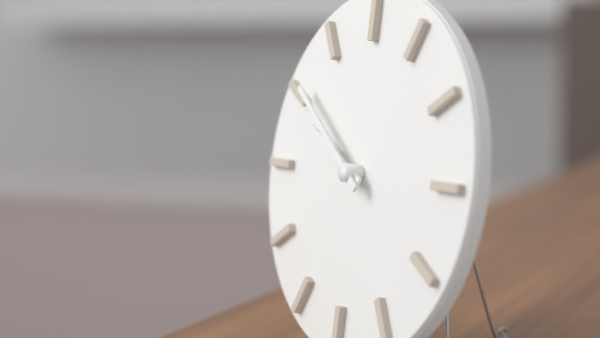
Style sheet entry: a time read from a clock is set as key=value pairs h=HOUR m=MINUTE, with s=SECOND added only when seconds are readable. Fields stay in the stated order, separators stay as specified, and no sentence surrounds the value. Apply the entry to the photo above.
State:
h=9 m=51
